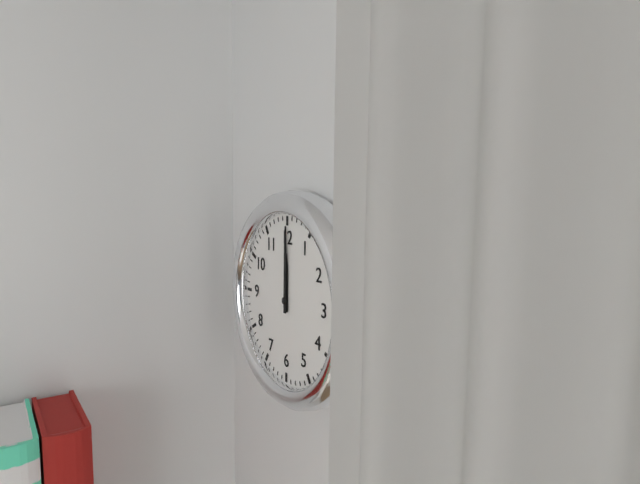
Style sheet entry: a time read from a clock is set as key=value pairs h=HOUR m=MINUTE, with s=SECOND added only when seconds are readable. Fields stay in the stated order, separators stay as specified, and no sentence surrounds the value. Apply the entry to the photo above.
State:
h=12 m=0
